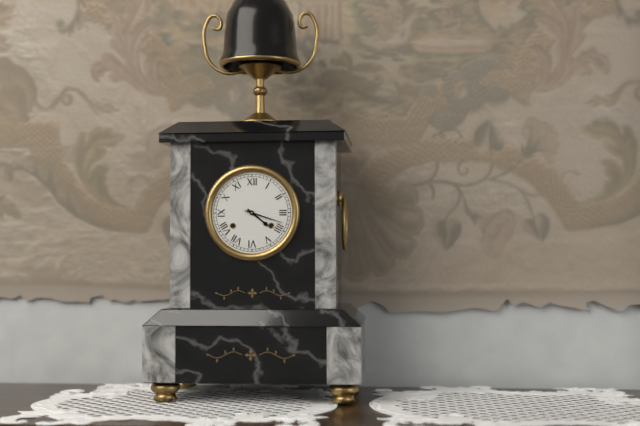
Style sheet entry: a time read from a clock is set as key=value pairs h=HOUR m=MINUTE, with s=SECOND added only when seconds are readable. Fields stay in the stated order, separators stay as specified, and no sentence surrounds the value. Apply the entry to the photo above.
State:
h=4 m=18
